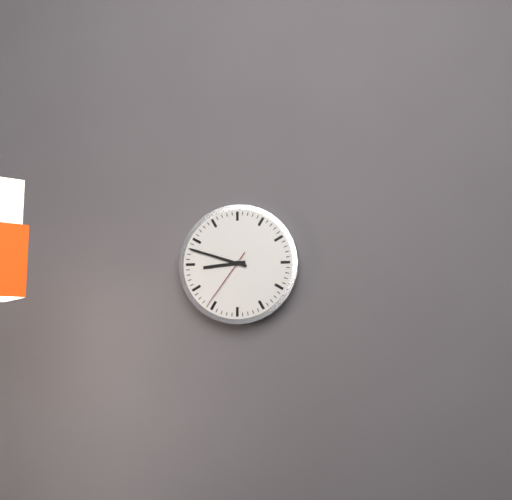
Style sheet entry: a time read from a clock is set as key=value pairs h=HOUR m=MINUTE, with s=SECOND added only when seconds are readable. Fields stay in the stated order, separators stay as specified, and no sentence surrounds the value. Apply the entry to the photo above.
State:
h=8 m=48 s=36
